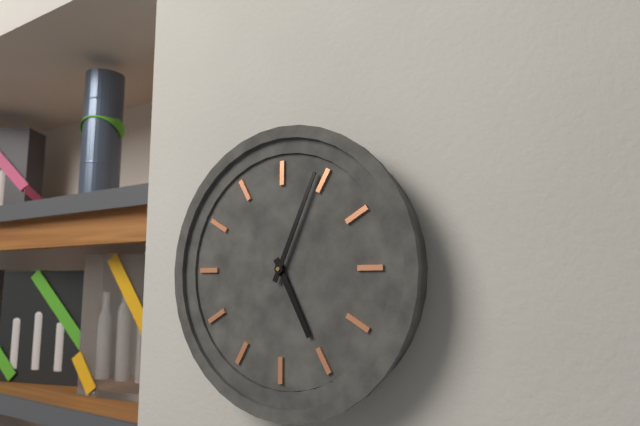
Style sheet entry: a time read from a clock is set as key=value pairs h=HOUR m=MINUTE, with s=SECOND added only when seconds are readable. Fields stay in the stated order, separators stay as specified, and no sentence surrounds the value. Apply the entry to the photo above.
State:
h=5 m=4
